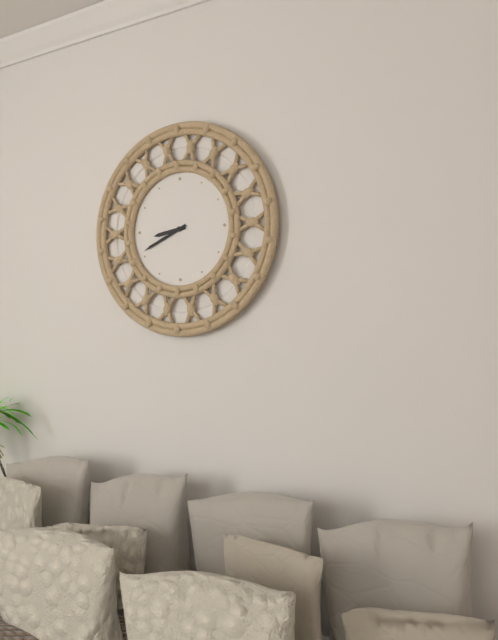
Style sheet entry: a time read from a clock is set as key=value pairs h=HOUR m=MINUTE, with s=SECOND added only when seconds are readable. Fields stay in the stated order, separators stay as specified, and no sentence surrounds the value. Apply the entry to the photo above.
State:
h=8 m=41
